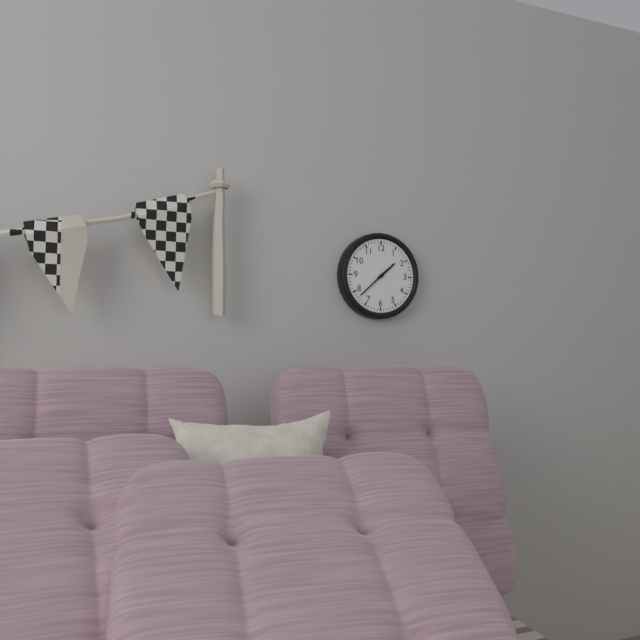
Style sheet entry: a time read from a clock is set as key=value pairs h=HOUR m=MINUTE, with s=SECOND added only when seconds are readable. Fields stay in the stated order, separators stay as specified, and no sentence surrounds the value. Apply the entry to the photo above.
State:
h=1 m=38
